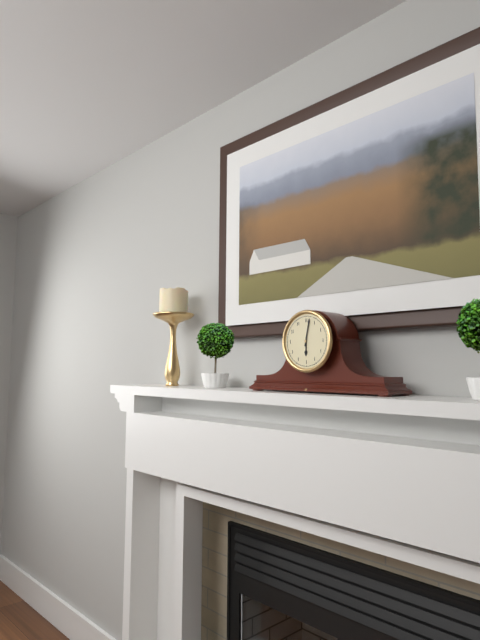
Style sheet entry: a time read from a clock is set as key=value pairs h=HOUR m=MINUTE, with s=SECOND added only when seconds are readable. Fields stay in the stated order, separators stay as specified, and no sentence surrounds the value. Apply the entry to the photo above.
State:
h=6 m=2
